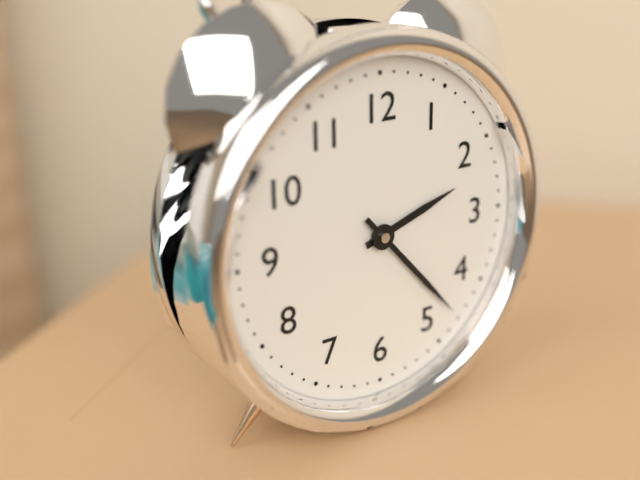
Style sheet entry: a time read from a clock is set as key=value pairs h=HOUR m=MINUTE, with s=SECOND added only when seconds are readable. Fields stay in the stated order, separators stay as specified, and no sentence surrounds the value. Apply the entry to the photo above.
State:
h=2 m=23
